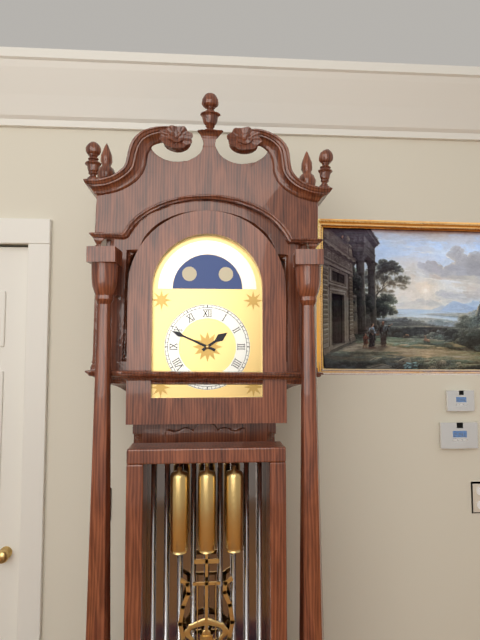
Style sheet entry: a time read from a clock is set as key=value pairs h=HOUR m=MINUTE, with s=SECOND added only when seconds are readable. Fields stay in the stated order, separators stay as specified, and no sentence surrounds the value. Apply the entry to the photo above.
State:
h=1 m=49
